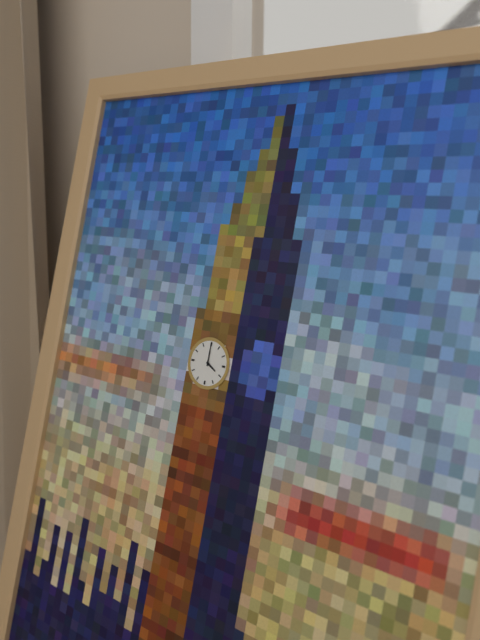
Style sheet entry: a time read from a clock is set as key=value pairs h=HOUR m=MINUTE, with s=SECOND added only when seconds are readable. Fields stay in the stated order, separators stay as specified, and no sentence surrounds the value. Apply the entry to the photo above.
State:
h=4 m=0
